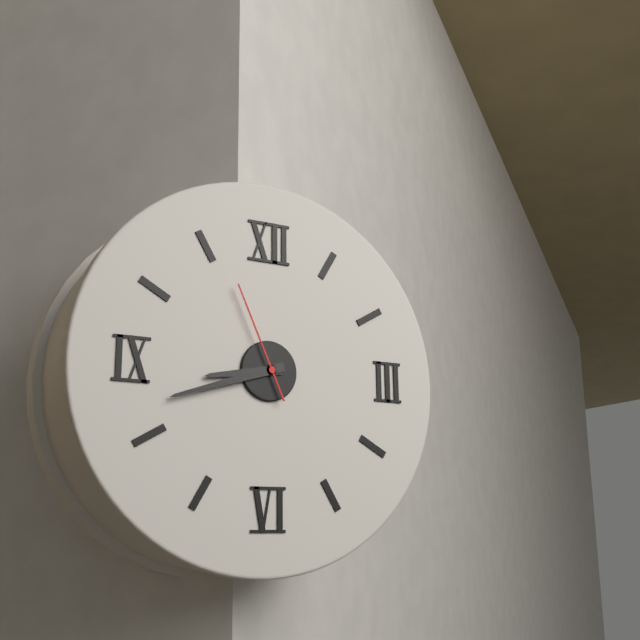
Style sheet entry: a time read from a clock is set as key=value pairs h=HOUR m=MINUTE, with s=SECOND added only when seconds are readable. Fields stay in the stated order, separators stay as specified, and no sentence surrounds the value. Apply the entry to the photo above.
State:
h=8 m=42 s=56
